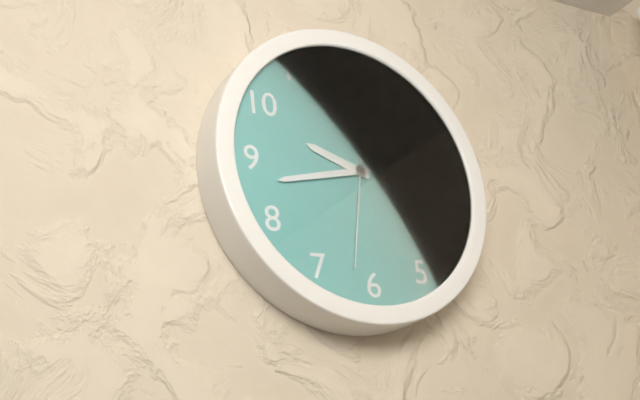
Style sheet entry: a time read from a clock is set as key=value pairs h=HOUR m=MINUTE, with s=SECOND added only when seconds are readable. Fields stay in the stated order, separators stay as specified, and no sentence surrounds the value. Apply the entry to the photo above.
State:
h=9 m=43 s=32
